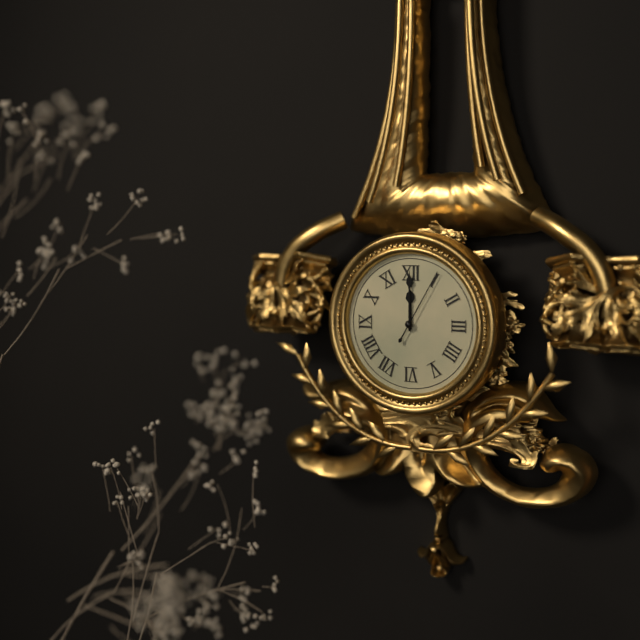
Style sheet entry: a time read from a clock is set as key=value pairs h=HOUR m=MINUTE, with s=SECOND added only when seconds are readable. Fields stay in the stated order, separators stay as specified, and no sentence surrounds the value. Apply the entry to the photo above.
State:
h=12 m=0 s=5
